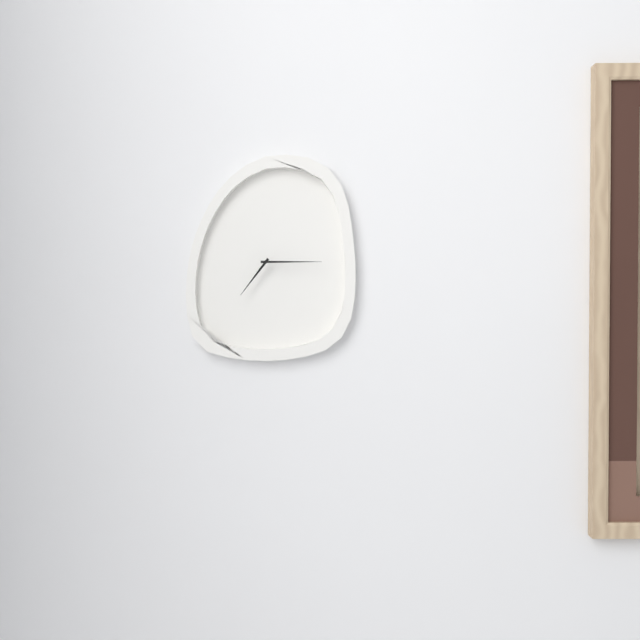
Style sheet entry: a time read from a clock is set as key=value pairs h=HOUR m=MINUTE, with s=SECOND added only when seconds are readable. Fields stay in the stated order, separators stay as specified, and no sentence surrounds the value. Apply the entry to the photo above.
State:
h=7 m=15
